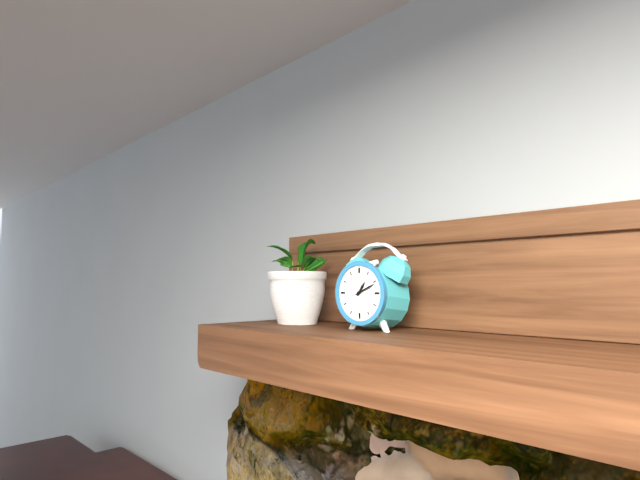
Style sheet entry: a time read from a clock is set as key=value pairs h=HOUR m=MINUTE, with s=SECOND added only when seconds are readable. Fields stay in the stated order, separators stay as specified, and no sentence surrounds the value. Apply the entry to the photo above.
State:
h=1 m=11
